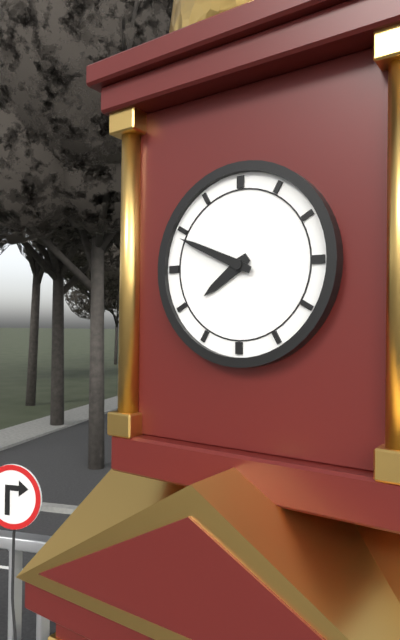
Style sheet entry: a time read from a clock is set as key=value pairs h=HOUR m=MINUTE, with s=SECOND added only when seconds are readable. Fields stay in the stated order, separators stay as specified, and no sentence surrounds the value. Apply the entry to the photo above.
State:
h=7 m=49
